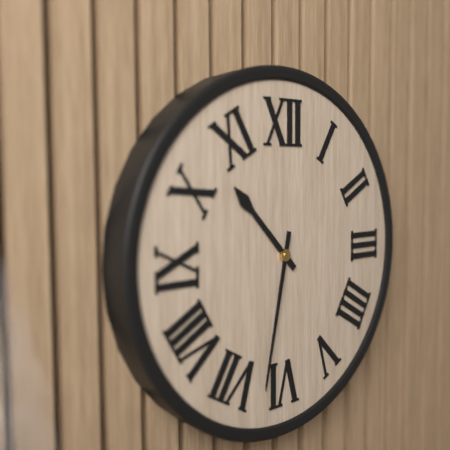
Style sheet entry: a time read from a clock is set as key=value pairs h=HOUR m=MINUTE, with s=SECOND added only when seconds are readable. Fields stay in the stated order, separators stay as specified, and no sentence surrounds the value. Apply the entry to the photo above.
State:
h=10 m=32
